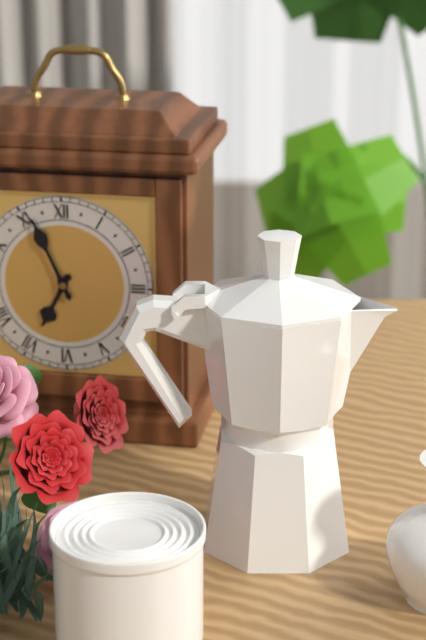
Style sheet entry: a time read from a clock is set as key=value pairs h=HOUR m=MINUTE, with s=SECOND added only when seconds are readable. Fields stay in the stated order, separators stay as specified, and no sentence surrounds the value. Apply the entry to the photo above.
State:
h=6 m=56
